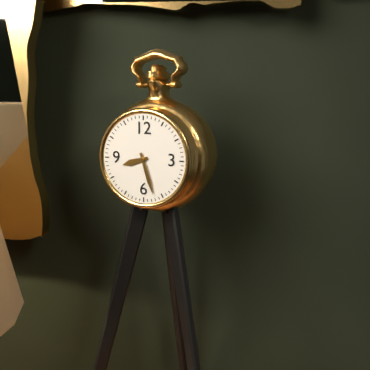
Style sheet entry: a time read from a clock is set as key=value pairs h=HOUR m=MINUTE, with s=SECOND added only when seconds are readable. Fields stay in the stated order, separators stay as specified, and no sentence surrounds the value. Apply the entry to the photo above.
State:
h=8 m=27
